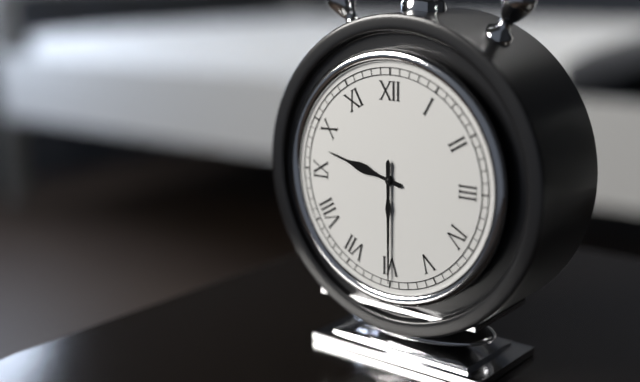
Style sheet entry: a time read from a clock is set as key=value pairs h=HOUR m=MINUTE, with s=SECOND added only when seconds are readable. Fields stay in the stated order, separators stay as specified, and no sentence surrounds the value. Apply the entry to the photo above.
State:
h=9 m=30
